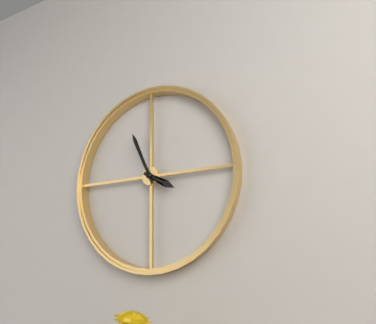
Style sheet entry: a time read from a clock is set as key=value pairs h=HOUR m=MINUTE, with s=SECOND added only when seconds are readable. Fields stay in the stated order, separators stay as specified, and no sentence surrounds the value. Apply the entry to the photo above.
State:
h=3 m=56
